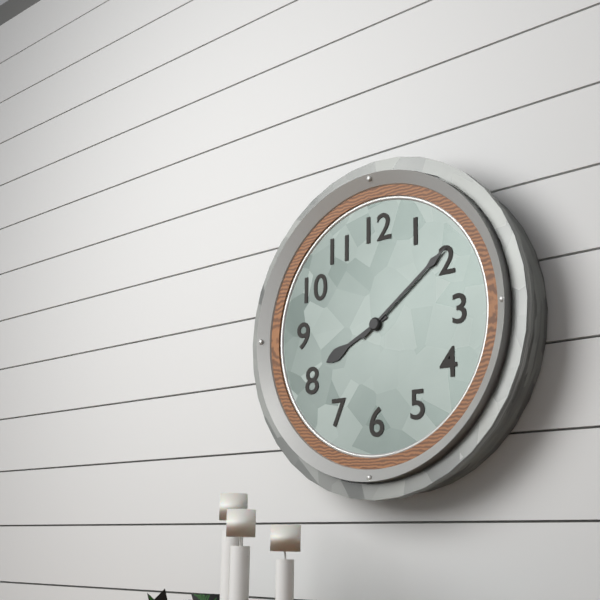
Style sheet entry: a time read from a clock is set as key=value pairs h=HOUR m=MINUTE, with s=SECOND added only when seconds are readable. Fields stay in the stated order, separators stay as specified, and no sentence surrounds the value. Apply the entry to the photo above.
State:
h=8 m=9
